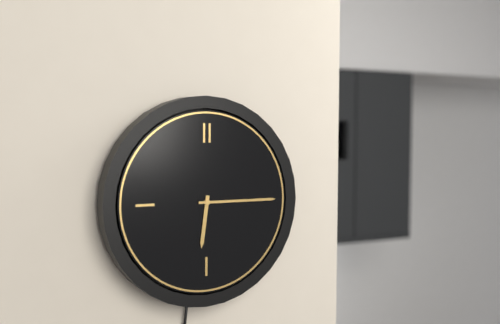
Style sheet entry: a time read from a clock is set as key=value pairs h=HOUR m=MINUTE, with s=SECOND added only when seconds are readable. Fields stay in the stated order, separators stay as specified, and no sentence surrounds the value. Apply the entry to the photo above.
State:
h=6 m=15
